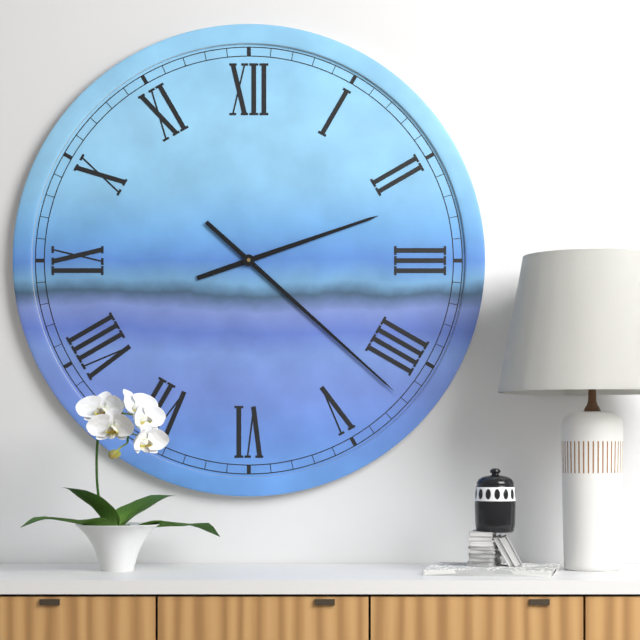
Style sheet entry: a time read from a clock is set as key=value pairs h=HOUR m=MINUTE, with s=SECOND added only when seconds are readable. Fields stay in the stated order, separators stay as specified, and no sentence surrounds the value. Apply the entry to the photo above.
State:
h=2 m=22
